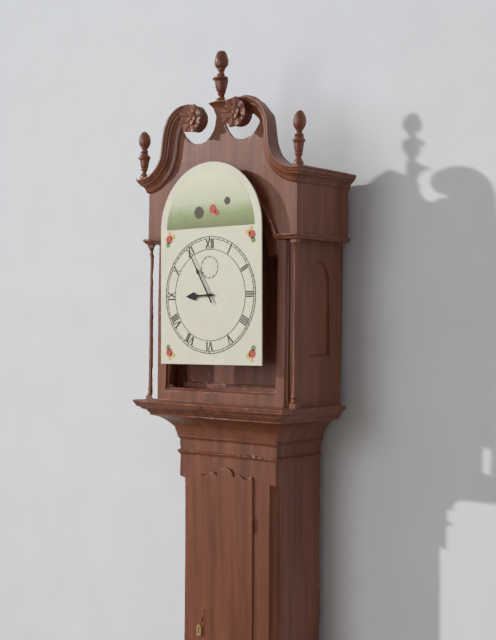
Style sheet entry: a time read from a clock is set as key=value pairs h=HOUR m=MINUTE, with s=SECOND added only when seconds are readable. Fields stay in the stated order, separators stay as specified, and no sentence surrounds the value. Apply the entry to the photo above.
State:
h=8 m=55
